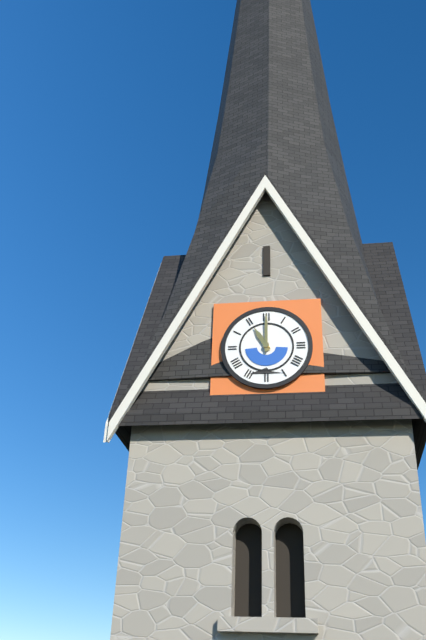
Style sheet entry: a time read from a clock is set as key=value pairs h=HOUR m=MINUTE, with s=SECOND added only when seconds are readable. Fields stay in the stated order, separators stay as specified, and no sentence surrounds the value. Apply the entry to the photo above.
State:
h=11 m=0
